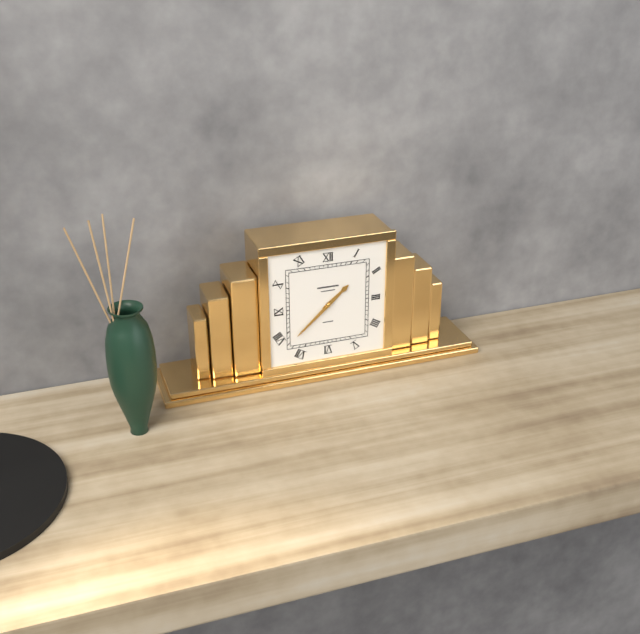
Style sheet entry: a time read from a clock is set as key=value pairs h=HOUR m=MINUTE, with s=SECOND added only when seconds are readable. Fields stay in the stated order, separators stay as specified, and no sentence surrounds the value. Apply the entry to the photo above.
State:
h=1 m=38
